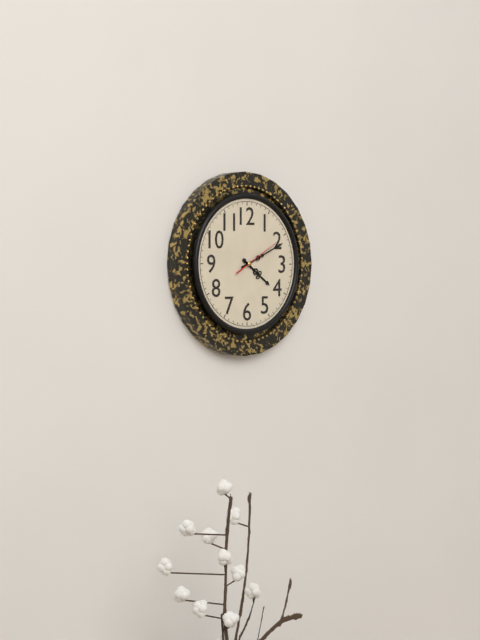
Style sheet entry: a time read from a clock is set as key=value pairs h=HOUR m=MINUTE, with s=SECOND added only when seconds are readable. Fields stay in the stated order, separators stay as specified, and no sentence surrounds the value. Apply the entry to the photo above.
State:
h=4 m=11
